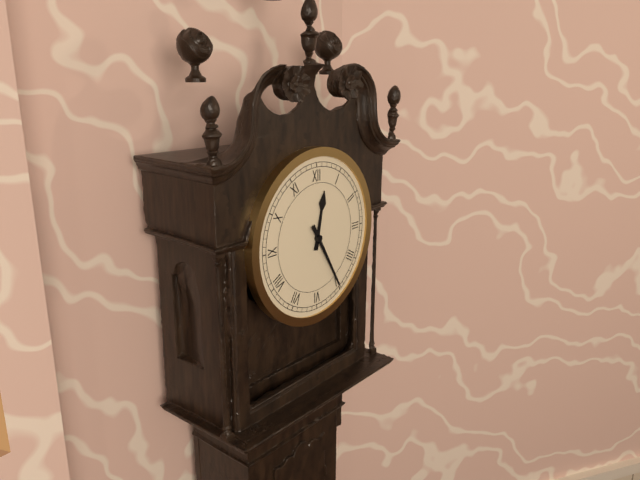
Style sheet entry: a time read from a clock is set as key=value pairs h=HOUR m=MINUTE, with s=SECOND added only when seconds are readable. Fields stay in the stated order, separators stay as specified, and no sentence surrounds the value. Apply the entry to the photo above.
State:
h=12 m=25
